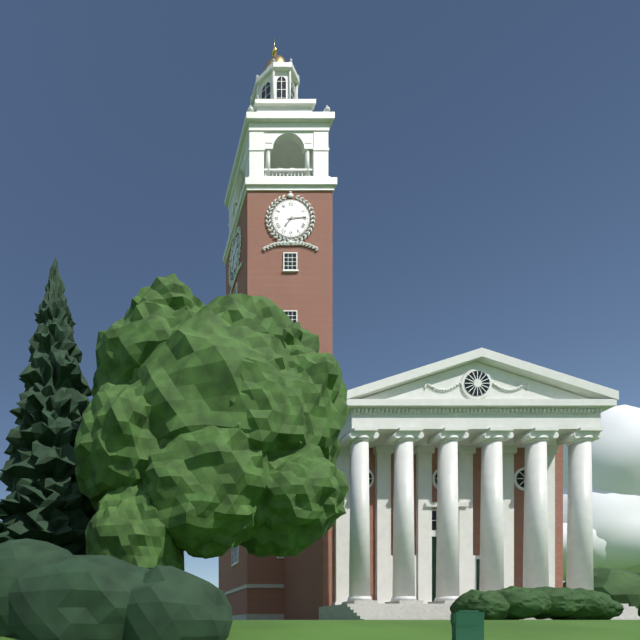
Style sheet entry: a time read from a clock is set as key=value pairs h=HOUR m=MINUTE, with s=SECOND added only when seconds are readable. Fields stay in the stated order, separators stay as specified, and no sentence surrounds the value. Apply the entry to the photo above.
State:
h=7 m=14
